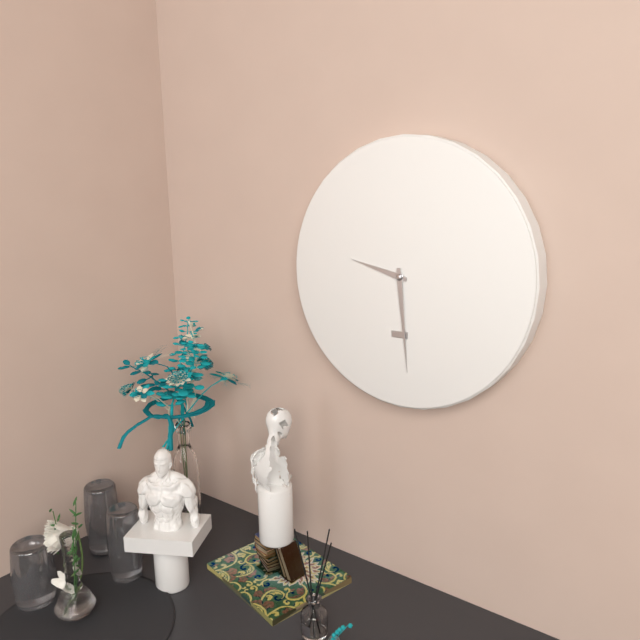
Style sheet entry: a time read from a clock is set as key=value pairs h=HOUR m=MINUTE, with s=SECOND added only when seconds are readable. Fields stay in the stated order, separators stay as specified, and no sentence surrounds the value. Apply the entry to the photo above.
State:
h=9 m=29
